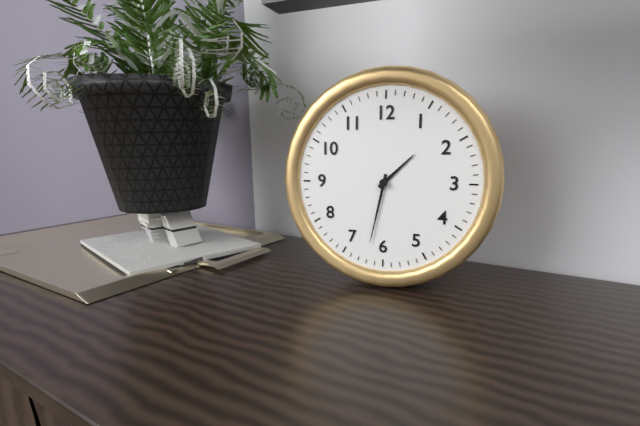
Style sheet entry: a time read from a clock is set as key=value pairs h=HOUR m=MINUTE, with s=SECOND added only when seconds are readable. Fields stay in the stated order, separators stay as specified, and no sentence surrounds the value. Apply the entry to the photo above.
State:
h=1 m=32
